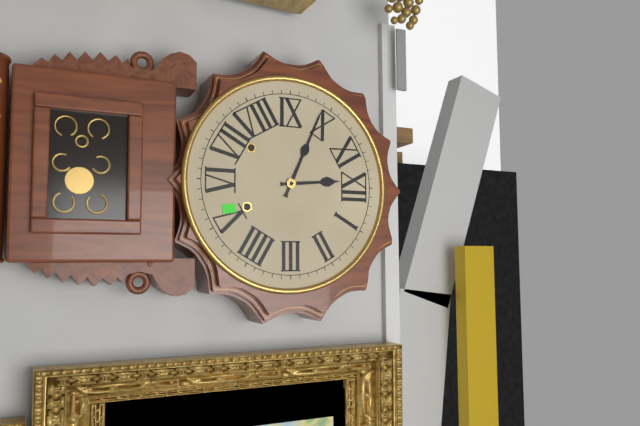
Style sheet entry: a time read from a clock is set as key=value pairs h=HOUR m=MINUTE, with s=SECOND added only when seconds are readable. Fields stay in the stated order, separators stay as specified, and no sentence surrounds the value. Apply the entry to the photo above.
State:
h=11 m=49
